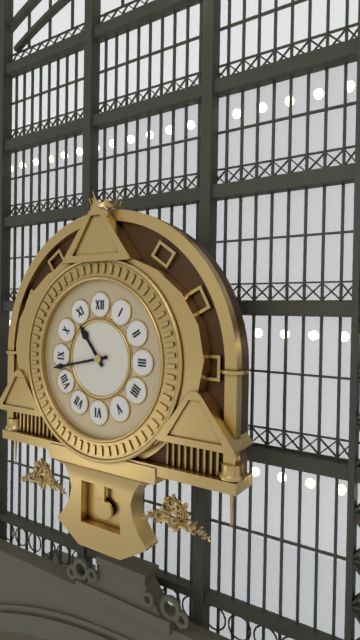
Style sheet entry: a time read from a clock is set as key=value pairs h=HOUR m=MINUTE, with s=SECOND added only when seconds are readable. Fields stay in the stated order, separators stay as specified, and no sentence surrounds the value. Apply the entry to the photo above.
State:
h=10 m=43
